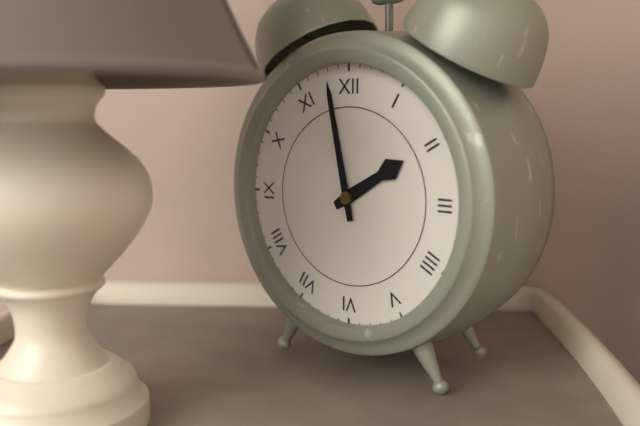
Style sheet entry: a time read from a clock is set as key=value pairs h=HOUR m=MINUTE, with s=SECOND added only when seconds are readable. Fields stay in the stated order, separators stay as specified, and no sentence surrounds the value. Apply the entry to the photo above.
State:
h=1 m=58
